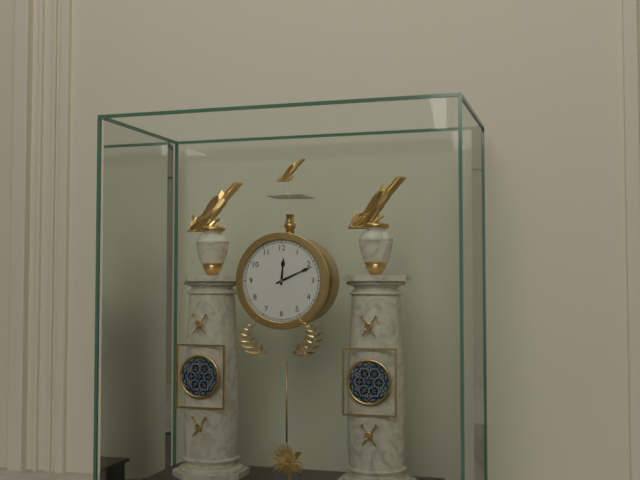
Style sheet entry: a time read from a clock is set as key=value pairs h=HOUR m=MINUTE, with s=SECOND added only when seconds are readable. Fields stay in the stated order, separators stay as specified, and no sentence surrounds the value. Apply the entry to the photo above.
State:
h=12 m=11
